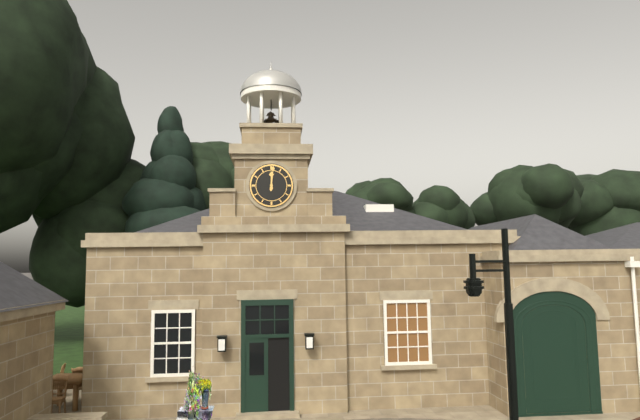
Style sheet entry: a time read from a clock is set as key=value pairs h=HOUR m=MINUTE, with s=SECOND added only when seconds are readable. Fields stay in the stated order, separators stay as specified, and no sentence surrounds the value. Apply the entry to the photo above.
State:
h=12 m=1
